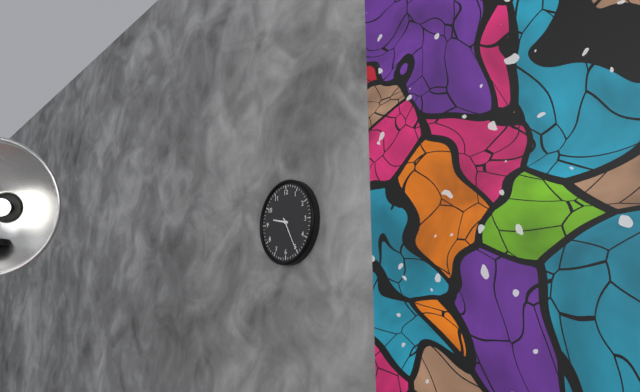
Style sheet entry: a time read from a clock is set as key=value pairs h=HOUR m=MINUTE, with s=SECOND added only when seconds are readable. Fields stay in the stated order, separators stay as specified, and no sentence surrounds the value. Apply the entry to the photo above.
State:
h=9 m=25
